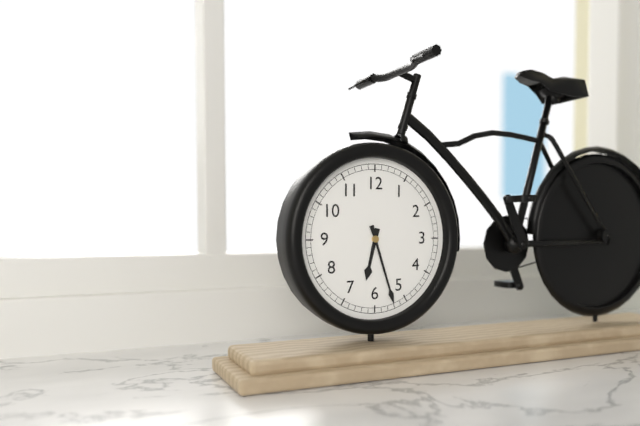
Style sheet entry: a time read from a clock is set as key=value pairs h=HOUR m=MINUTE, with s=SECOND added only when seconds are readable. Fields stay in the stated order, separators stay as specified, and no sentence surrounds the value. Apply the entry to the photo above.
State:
h=6 m=27
